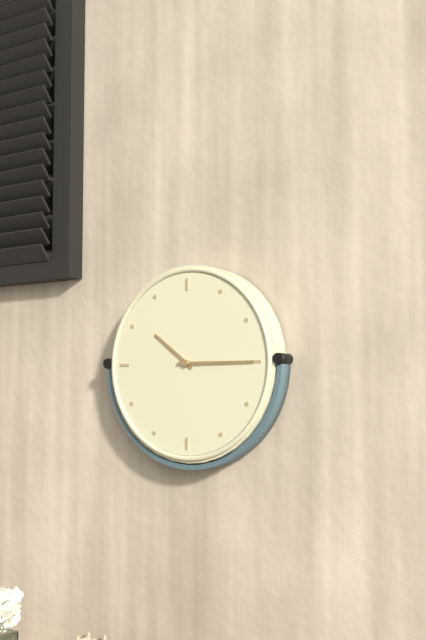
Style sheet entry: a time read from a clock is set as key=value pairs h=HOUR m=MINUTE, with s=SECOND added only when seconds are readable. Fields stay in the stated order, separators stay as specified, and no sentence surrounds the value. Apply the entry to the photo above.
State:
h=10 m=15
